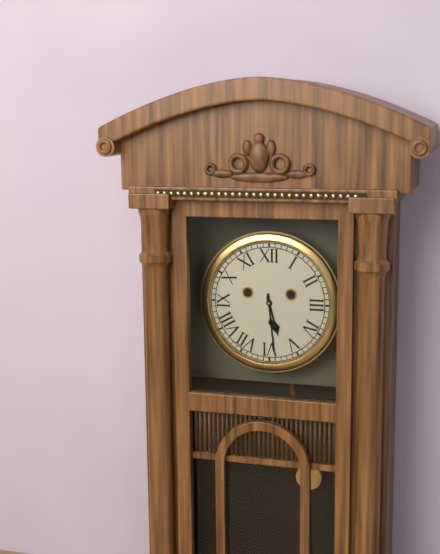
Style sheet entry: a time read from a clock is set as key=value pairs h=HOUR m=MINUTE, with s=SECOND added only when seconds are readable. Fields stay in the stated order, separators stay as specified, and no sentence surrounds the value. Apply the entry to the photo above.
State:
h=5 m=29
